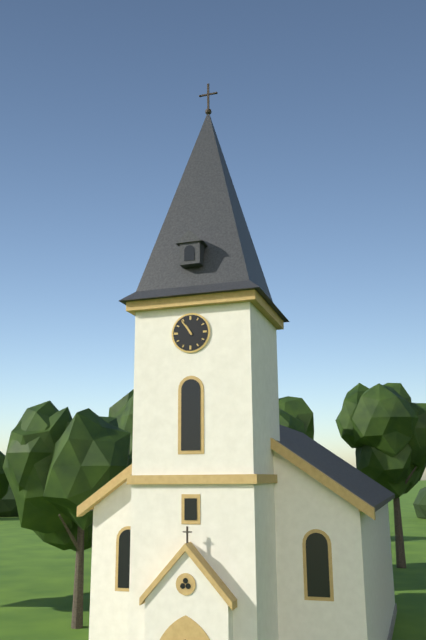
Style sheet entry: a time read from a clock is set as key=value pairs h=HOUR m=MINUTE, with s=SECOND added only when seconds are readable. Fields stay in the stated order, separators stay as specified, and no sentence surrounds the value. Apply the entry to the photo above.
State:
h=10 m=54
